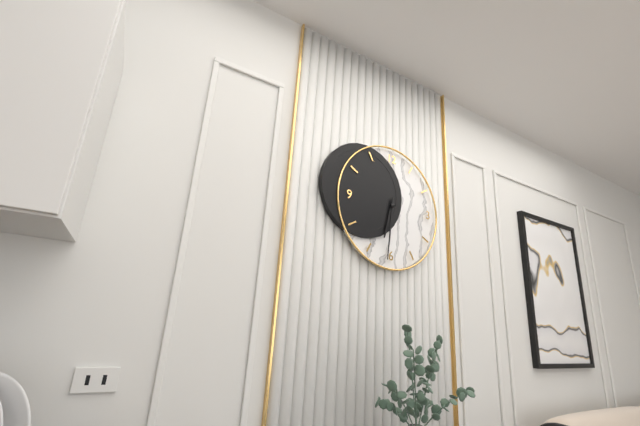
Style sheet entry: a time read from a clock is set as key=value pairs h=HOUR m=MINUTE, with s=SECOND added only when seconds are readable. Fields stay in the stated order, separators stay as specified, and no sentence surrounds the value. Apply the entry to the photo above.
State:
h=6 m=31
